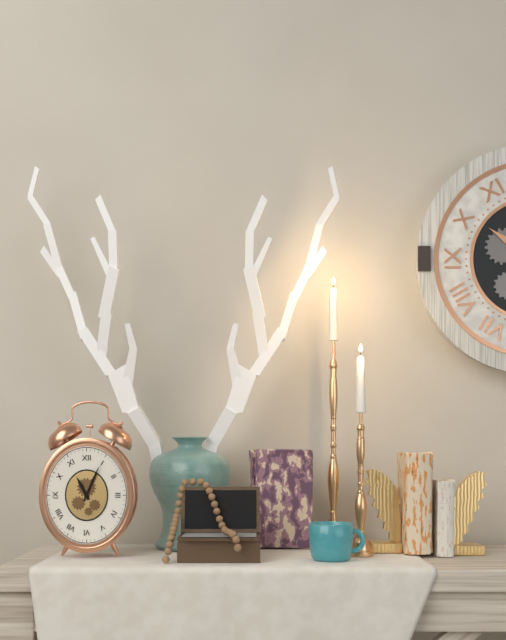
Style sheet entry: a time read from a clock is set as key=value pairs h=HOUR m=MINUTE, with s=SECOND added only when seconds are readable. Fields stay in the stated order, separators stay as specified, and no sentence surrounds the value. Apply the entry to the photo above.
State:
h=11 m=4
